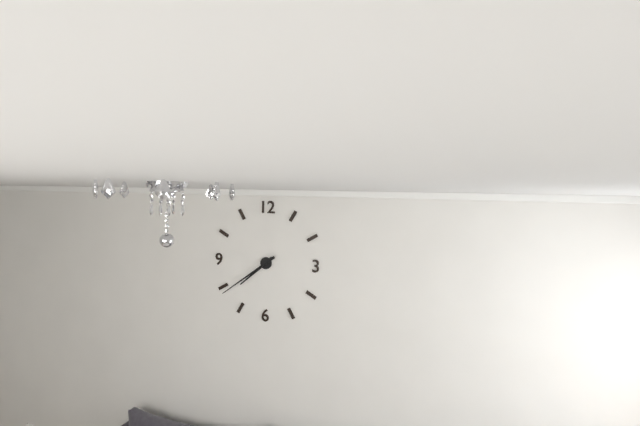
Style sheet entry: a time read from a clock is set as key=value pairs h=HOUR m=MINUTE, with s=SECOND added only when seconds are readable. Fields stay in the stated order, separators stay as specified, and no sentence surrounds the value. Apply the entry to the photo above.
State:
h=7 m=39
